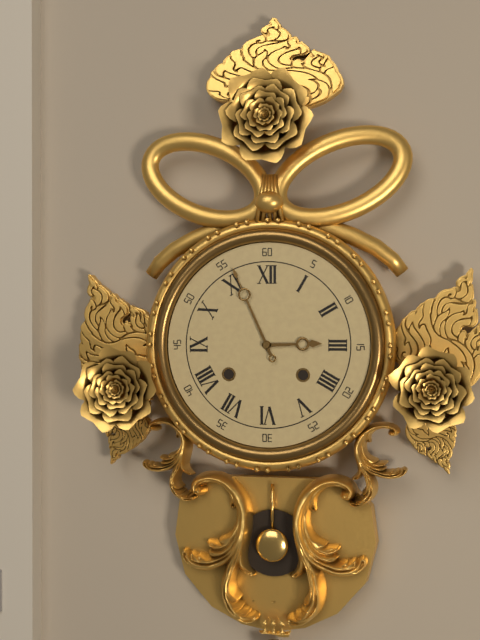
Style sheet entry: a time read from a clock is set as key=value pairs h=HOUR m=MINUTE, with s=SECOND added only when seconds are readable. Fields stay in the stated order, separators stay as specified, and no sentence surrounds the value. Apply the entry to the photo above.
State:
h=2 m=56
